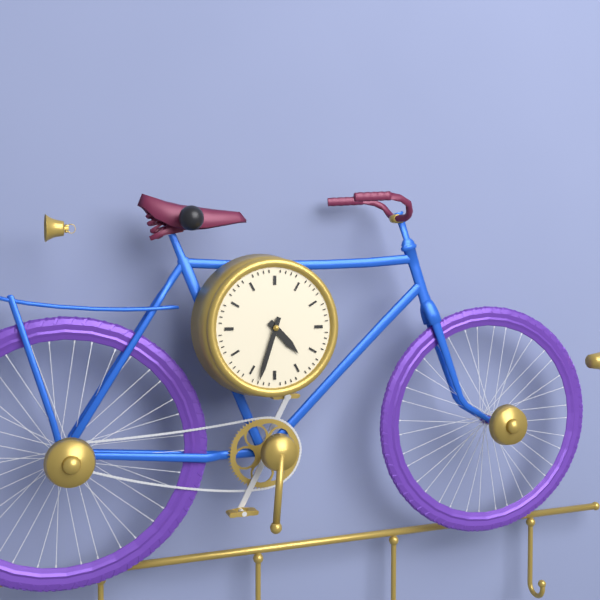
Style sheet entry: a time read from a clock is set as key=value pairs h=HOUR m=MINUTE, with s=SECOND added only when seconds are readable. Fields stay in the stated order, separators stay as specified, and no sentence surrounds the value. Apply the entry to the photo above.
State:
h=4 m=33
